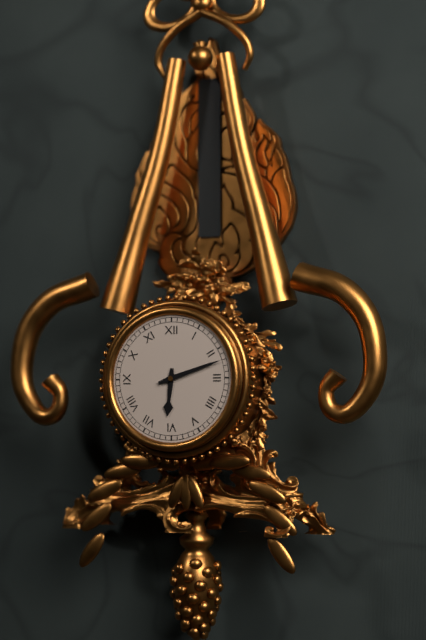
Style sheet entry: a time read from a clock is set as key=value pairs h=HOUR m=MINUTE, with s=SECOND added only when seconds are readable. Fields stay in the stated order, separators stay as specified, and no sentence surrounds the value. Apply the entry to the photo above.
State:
h=6 m=12
